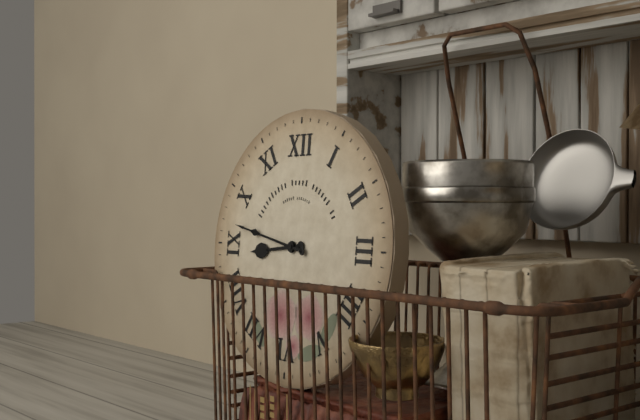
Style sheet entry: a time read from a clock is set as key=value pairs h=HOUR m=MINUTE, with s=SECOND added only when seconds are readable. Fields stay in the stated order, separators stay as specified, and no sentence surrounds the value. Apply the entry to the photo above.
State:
h=8 m=47
